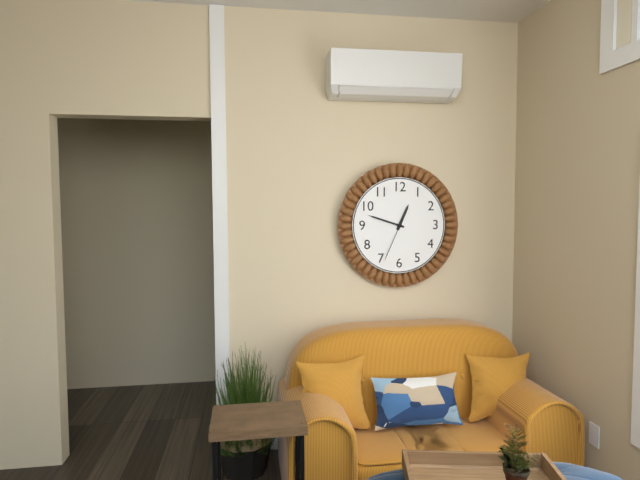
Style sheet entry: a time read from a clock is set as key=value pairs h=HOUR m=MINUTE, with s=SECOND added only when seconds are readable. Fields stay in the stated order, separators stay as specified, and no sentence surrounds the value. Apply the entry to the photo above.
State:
h=12 m=48
